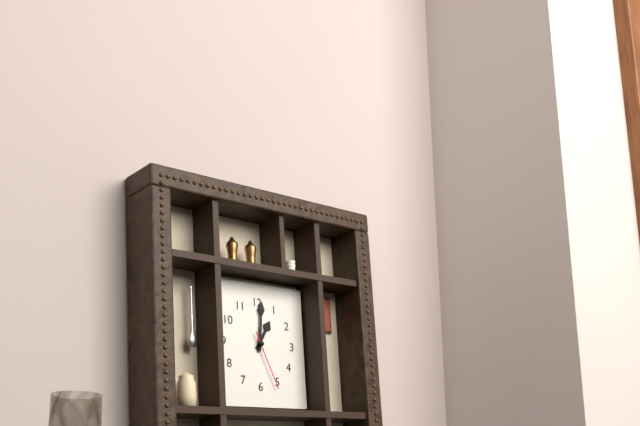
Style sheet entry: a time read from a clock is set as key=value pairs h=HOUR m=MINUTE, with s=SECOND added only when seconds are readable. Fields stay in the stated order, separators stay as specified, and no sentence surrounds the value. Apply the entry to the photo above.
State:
h=1 m=1 s=26
